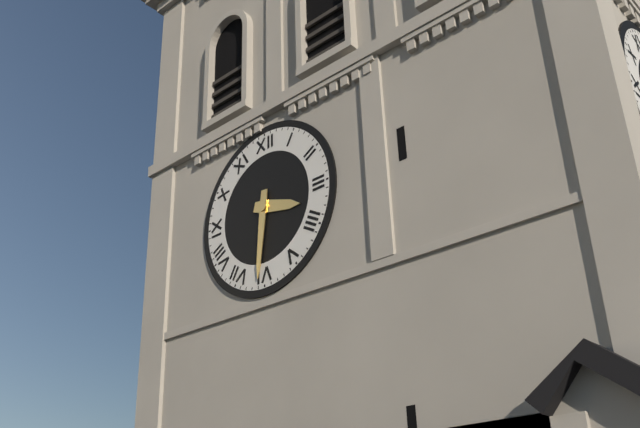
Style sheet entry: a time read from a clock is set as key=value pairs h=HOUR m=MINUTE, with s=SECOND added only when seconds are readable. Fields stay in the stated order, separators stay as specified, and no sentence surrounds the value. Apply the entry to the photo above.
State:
h=3 m=31
